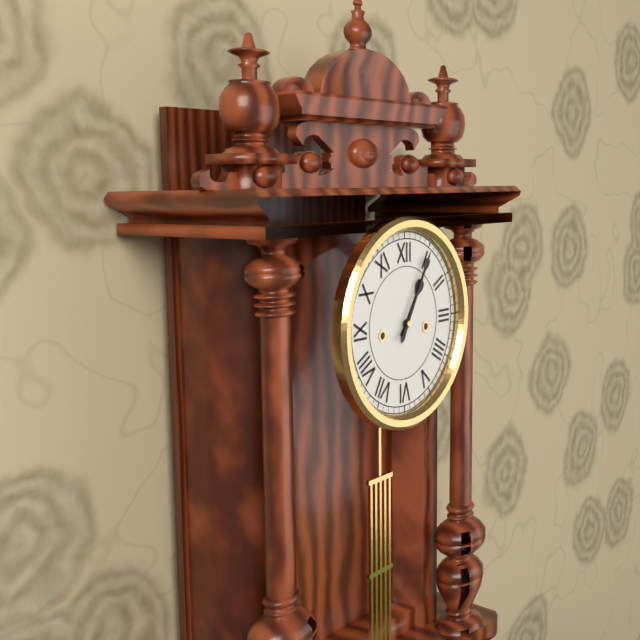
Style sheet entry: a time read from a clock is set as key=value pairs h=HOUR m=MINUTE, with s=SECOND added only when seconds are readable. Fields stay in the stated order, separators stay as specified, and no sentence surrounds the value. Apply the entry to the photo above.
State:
h=1 m=5
